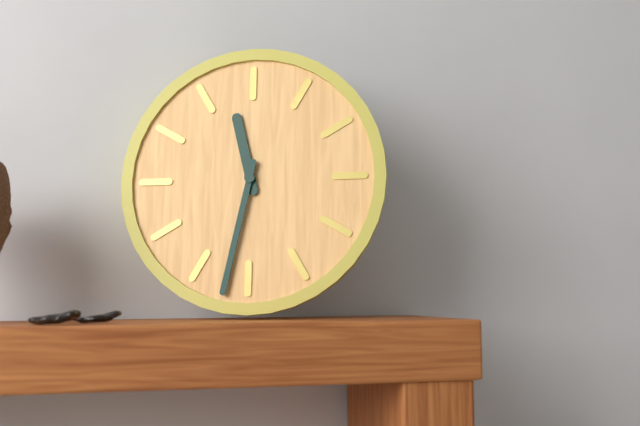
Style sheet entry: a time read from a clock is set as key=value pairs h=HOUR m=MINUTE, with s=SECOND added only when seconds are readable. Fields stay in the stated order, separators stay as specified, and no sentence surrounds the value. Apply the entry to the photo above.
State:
h=11 m=32
